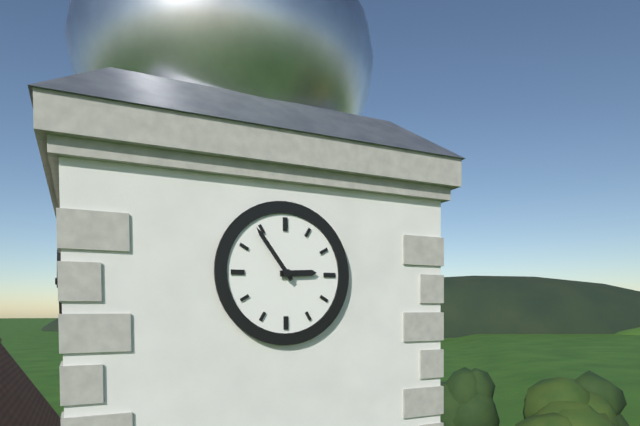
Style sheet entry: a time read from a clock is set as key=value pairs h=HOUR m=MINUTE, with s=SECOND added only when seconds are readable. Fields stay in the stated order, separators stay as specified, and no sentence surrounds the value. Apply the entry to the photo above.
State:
h=2 m=54
